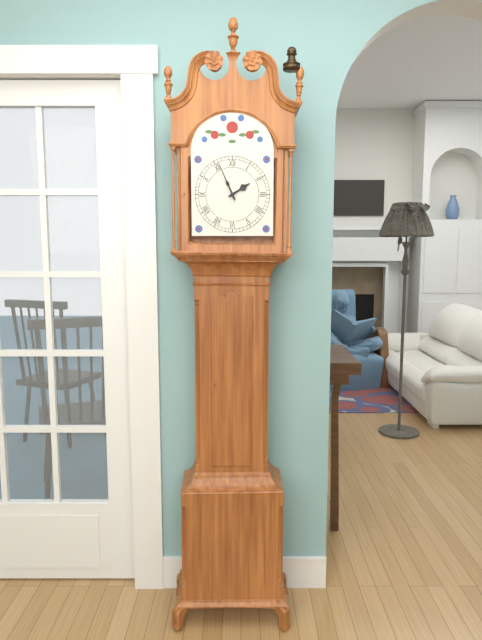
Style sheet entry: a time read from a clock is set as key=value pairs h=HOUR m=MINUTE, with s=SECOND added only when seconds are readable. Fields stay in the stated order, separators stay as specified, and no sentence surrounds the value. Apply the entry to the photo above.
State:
h=1 m=56
